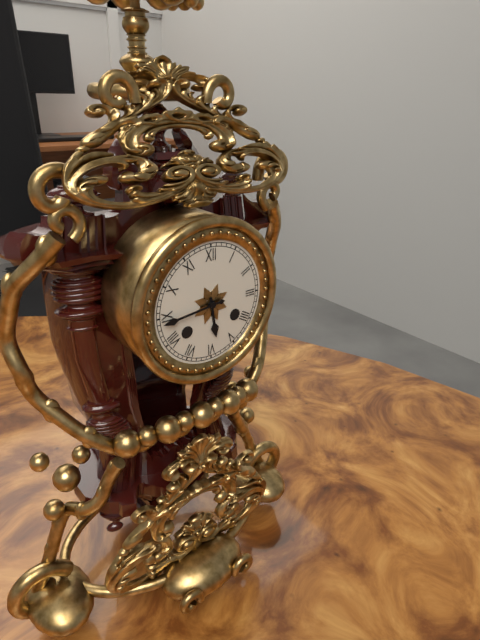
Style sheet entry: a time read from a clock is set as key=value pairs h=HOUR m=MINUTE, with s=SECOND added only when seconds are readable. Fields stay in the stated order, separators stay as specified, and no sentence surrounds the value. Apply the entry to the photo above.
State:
h=5 m=44
